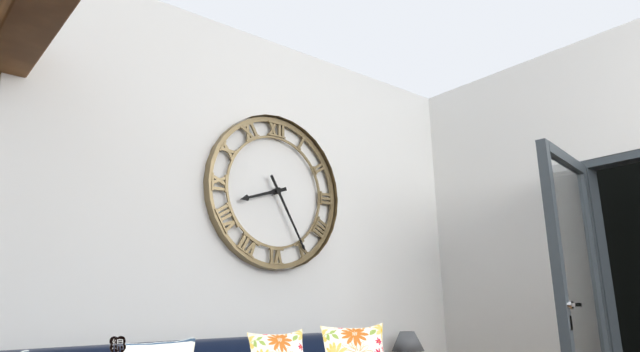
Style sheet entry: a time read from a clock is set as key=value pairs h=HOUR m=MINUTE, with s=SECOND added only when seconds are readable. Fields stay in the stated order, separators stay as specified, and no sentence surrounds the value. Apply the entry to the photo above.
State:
h=8 m=25
